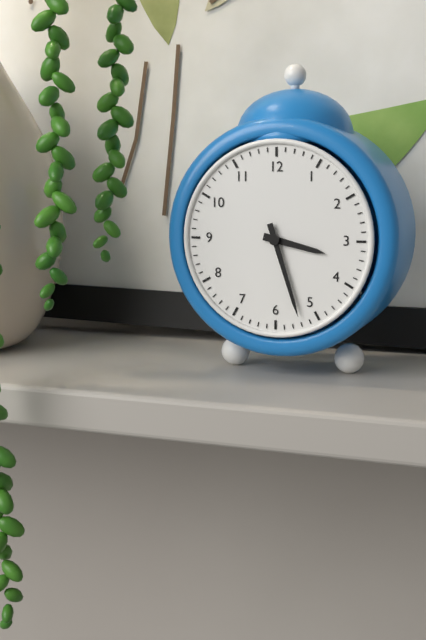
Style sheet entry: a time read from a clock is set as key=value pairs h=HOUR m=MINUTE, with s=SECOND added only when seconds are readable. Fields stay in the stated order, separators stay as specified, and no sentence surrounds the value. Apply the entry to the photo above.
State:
h=3 m=27
